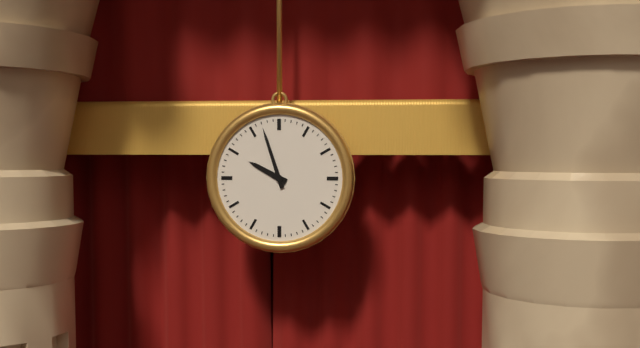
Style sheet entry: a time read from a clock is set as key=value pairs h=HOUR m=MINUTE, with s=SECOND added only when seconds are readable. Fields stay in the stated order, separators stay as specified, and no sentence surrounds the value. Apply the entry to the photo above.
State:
h=9 m=57
